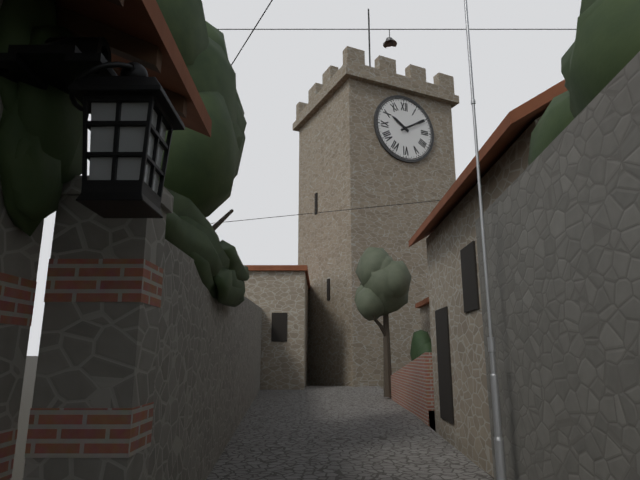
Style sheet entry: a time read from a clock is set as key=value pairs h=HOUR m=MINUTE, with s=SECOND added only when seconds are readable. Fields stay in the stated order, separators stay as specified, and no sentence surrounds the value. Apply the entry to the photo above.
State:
h=10 m=10
